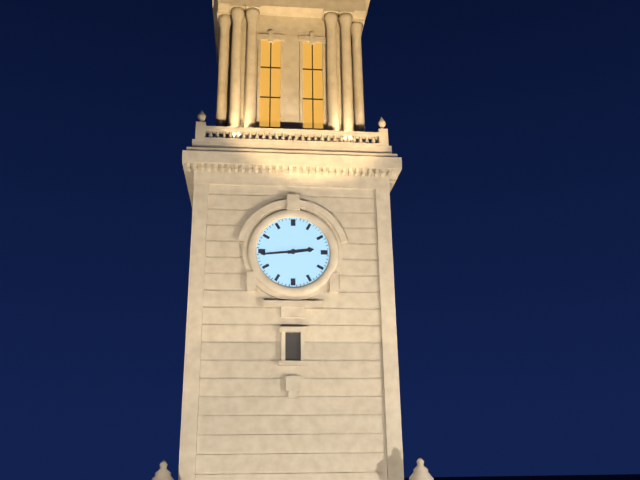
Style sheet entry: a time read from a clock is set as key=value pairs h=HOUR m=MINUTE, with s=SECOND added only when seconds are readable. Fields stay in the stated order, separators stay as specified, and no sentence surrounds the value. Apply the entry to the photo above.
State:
h=2 m=44
